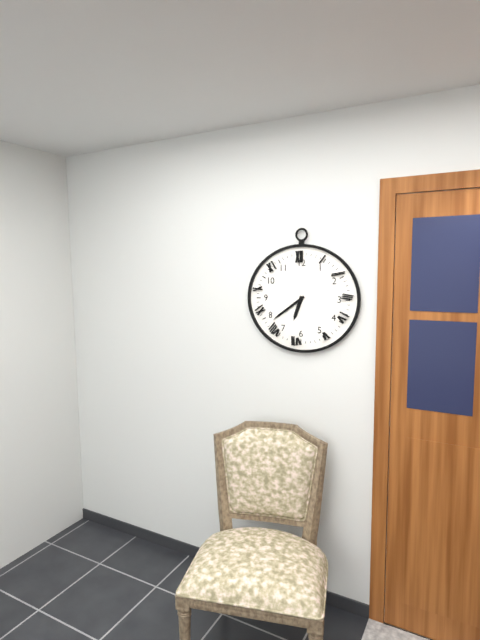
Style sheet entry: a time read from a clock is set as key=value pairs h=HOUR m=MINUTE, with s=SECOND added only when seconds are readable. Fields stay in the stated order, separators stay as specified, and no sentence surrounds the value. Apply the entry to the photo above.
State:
h=6 m=39
